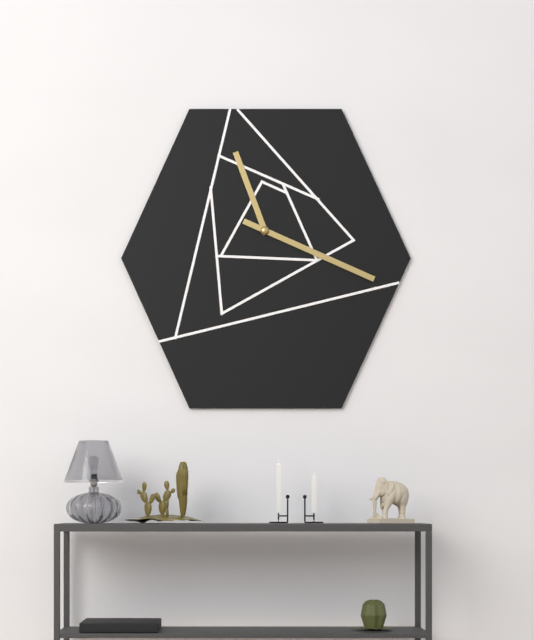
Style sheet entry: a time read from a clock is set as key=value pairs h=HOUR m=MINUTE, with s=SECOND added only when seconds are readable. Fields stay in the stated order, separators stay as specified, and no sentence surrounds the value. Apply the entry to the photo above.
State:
h=11 m=19
